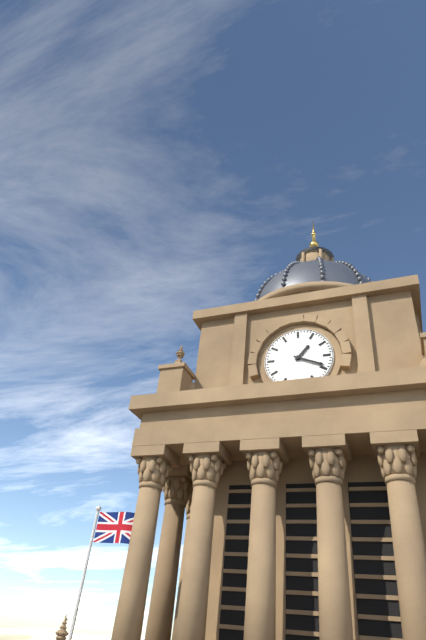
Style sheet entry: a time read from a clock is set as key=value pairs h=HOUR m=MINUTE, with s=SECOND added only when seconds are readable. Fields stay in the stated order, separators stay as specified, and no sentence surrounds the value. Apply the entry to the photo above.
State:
h=1 m=19
